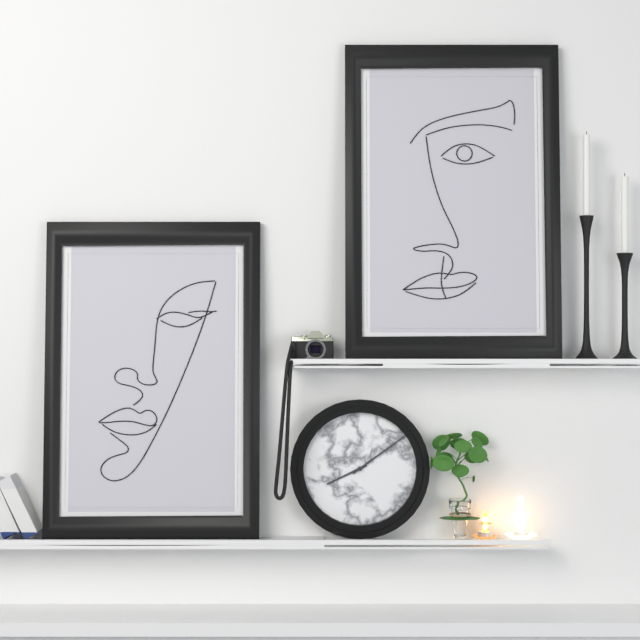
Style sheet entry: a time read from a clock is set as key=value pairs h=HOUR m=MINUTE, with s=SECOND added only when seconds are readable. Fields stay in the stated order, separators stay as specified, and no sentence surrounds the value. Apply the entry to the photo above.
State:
h=8 m=9
